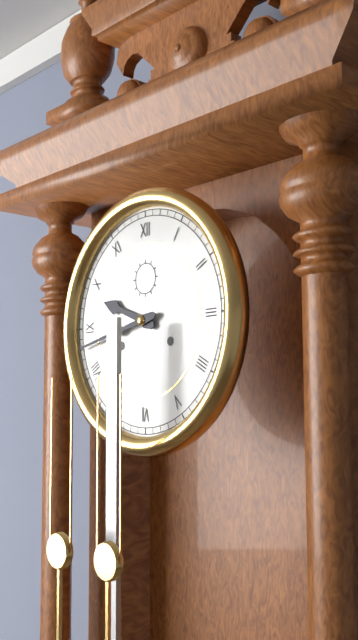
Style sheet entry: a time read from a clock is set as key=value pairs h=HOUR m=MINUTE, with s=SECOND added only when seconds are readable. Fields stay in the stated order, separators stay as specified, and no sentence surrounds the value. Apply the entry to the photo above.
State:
h=9 m=43
